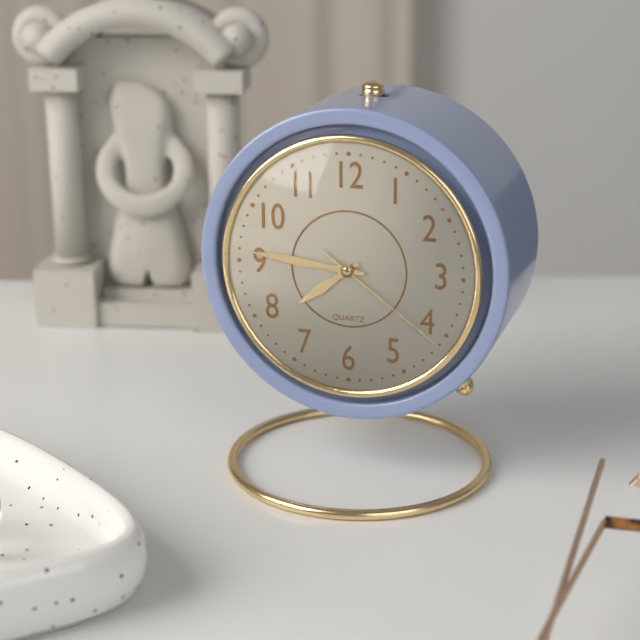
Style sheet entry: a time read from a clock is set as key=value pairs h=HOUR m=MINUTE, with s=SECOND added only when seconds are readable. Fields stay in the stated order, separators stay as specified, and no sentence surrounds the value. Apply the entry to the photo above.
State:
h=7 m=46 s=21
